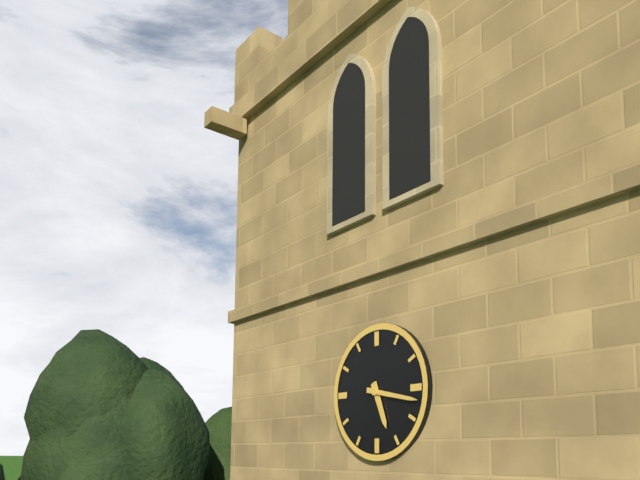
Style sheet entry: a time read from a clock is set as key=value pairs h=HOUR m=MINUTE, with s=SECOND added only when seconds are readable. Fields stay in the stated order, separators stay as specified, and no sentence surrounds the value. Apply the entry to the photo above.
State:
h=5 m=17
